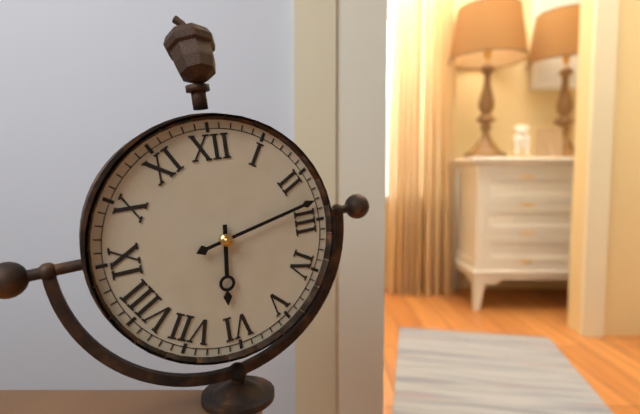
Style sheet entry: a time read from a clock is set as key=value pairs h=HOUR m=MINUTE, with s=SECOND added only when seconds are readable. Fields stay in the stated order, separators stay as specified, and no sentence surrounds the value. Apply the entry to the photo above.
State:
h=6 m=13
